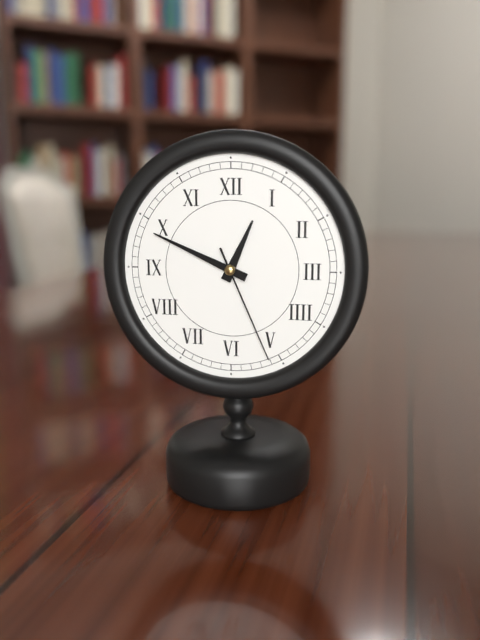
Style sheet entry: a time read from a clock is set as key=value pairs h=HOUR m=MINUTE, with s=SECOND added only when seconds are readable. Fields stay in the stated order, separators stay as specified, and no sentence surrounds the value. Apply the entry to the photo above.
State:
h=12 m=49 s=26
